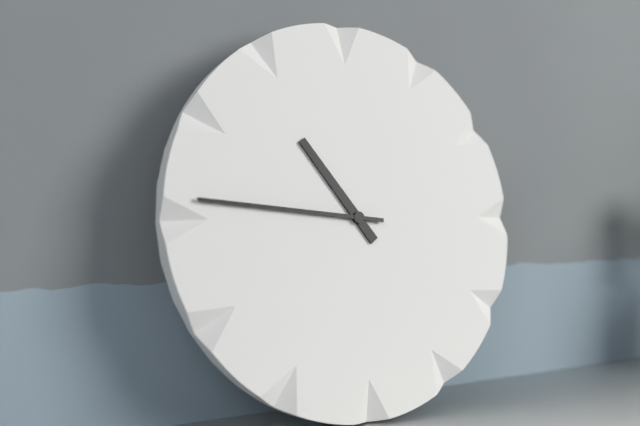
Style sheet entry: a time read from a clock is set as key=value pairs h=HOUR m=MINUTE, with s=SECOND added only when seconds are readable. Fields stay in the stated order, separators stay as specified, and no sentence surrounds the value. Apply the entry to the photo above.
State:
h=10 m=46
